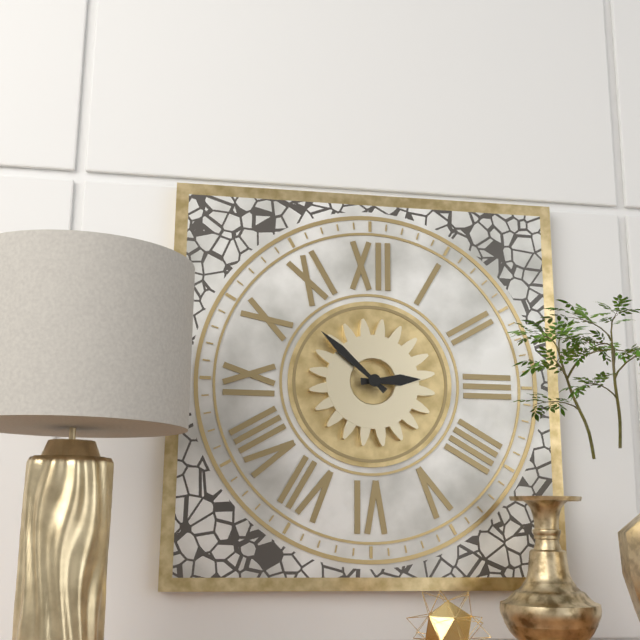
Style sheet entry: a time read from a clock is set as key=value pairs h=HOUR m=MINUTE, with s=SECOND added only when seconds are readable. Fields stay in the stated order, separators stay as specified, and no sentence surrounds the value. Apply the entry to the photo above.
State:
h=2 m=52
